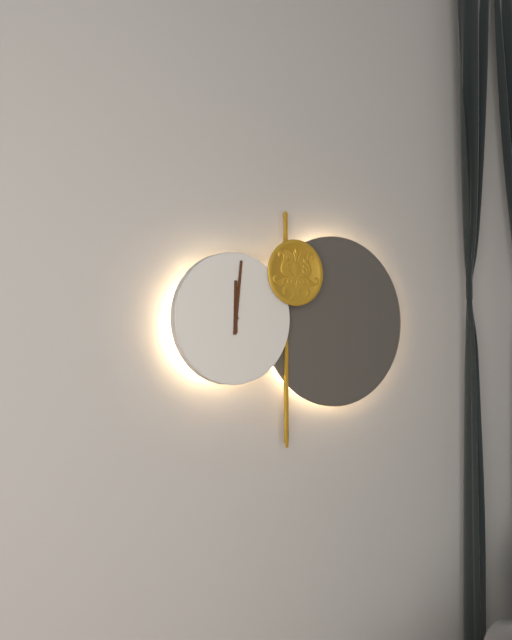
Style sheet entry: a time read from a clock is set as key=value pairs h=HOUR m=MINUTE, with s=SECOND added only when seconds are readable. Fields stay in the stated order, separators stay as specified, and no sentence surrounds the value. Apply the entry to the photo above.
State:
h=12 m=1
